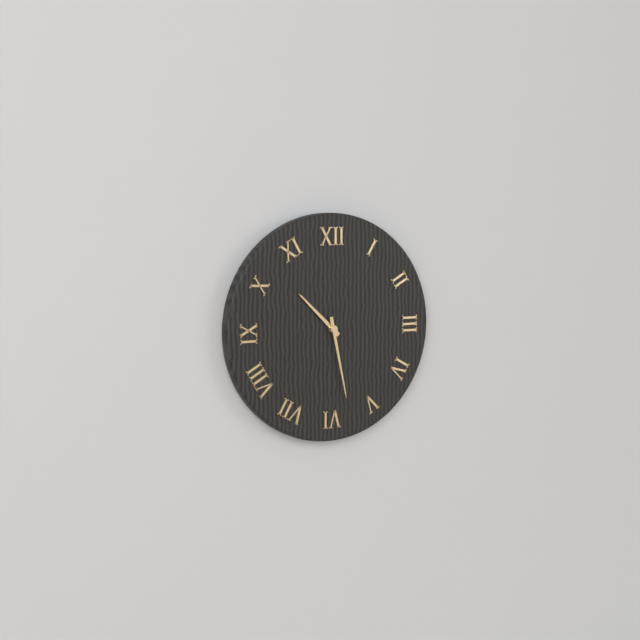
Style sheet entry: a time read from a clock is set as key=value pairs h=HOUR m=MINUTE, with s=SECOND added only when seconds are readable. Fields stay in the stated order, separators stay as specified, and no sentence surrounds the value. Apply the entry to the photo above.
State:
h=10 m=28
